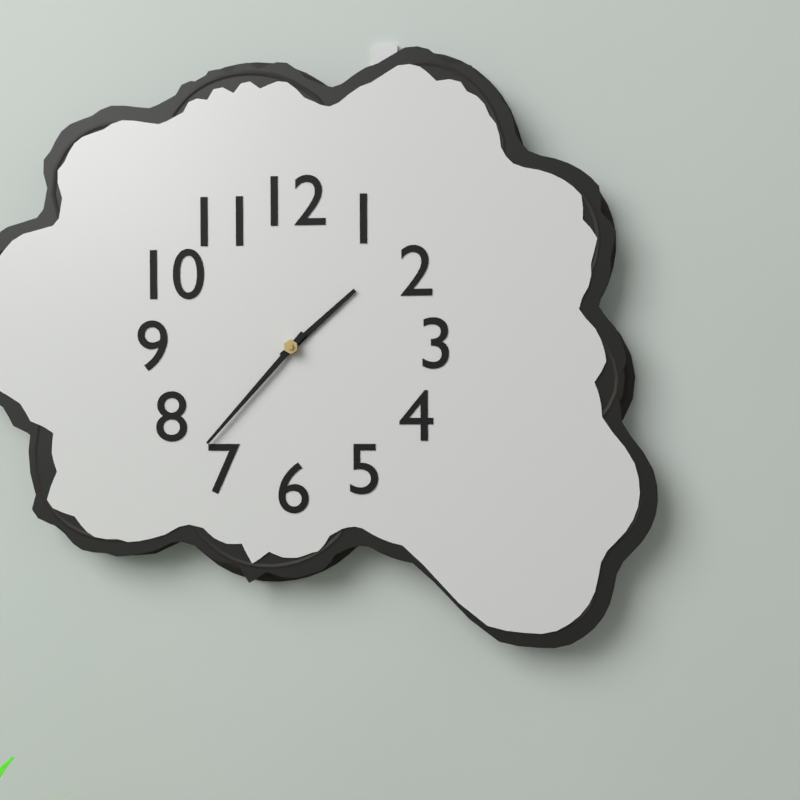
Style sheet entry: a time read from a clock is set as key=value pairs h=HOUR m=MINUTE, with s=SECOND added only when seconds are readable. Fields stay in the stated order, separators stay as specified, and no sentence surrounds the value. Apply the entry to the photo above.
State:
h=1 m=37
